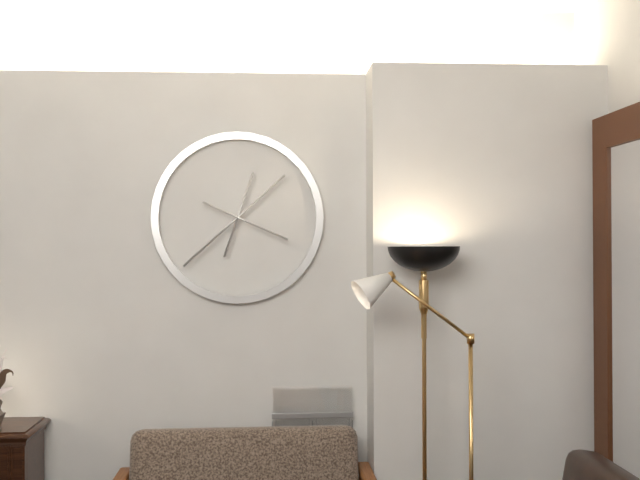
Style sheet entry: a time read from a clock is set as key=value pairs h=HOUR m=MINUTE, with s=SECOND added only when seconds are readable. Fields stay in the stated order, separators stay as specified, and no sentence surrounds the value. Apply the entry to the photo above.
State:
h=12 m=38 s=19
